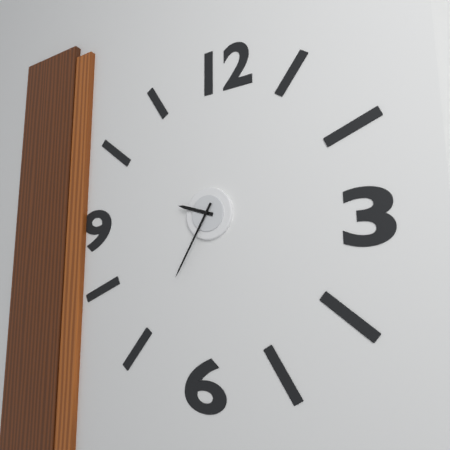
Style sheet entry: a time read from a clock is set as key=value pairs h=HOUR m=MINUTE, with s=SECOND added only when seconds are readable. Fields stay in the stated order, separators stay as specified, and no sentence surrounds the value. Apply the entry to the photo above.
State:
h=9 m=35
